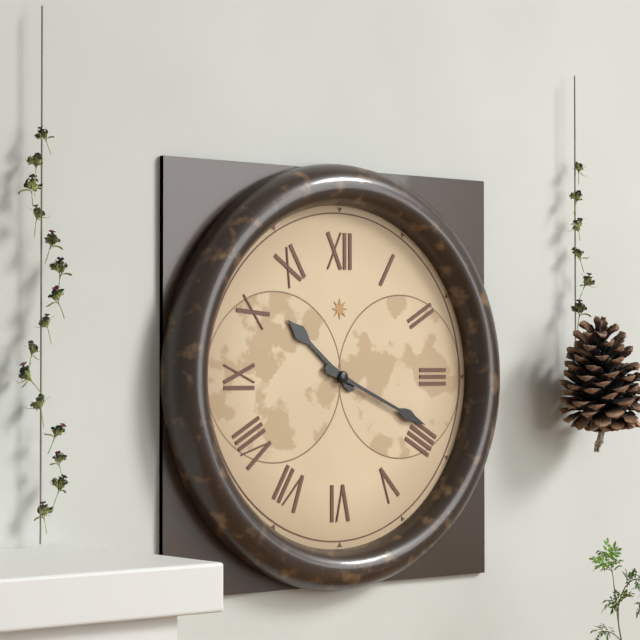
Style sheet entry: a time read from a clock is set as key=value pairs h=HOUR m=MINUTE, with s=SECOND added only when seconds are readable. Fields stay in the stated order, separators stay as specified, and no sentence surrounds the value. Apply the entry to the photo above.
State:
h=10 m=19
